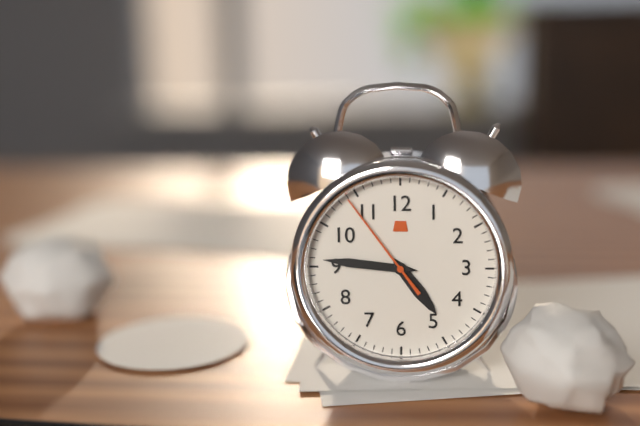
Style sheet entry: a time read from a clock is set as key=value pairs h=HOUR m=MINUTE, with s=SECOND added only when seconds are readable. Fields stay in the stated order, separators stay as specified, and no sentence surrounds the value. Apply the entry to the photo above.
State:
h=4 m=46 s=54
